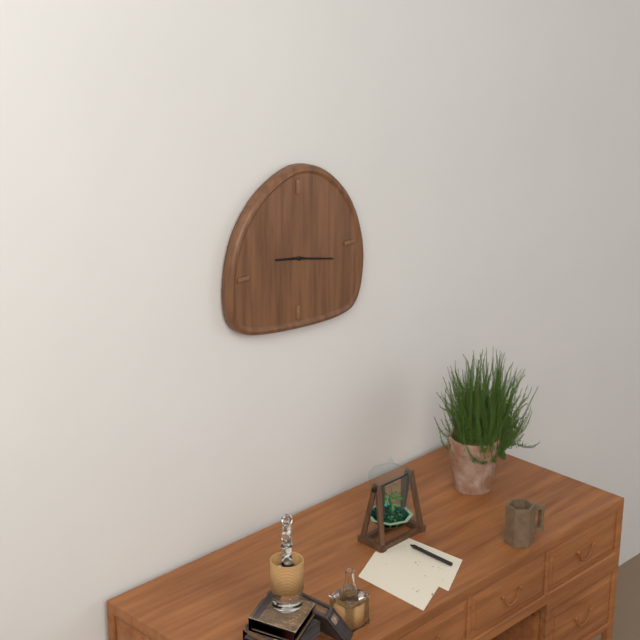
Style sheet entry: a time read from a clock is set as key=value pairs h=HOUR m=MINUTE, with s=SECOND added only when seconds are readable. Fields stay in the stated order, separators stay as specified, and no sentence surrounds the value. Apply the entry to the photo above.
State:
h=9 m=17
